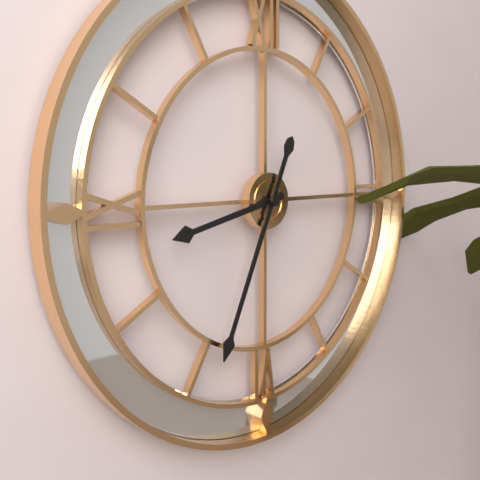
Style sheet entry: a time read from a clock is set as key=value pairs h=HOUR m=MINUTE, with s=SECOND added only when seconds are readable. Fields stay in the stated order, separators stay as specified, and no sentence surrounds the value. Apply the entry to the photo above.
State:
h=8 m=34
